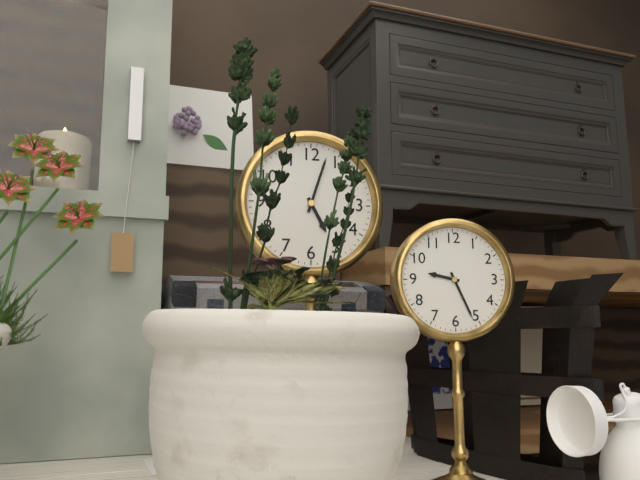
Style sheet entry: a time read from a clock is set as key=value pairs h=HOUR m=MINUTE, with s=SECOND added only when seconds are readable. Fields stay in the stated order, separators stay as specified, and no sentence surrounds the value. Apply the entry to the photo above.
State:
h=5 m=3
